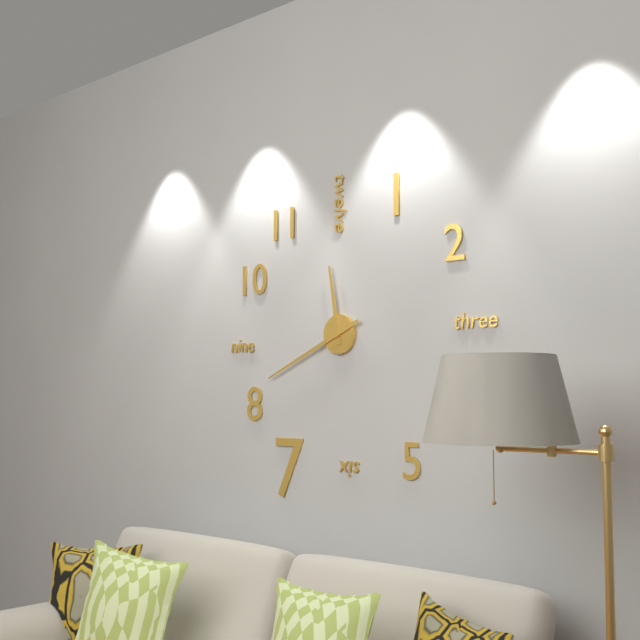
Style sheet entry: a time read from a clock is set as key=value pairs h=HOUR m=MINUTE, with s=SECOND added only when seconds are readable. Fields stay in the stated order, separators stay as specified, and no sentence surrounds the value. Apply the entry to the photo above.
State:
h=11 m=41
